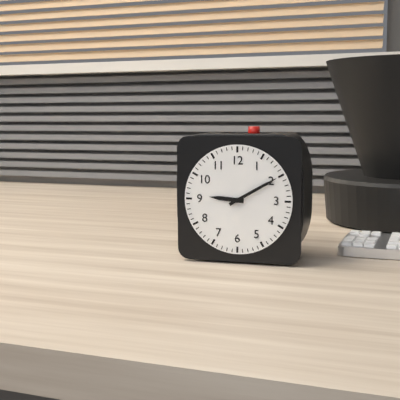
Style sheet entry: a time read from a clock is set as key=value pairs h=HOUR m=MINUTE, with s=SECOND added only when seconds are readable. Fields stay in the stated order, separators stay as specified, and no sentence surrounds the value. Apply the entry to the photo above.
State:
h=9 m=10
